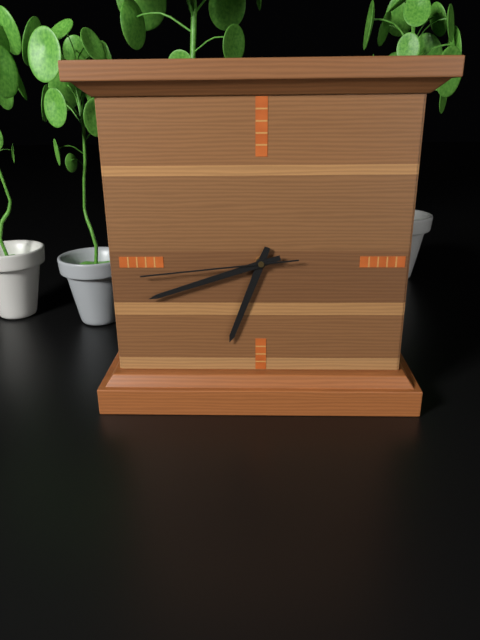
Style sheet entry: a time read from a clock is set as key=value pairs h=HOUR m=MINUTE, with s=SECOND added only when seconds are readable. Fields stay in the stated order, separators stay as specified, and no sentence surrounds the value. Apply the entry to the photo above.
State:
h=6 m=42 s=44
